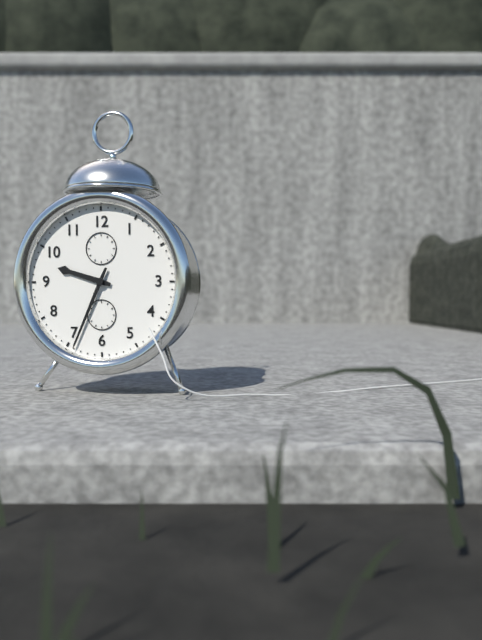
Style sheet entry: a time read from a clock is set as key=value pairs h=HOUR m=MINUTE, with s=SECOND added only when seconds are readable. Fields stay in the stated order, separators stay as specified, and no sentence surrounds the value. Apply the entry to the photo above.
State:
h=9 m=34
